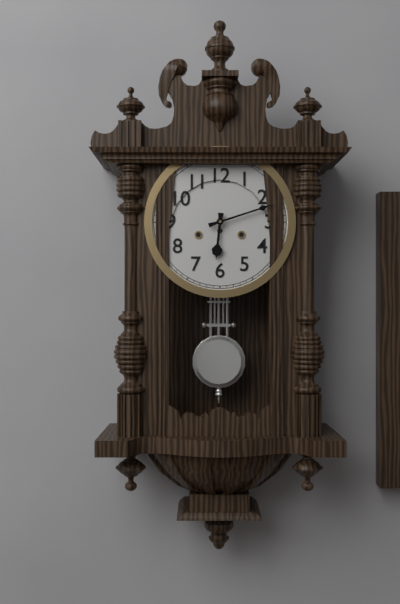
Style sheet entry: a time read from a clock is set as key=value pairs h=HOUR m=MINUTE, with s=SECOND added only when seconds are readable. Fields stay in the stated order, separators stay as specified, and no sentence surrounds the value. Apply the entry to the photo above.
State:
h=6 m=12
